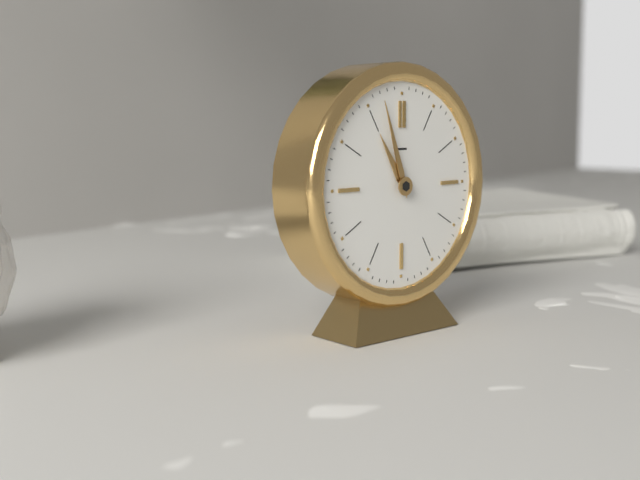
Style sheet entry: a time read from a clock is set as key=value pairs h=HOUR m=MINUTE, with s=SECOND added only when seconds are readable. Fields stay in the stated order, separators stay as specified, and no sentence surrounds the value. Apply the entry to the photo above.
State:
h=10 m=57
